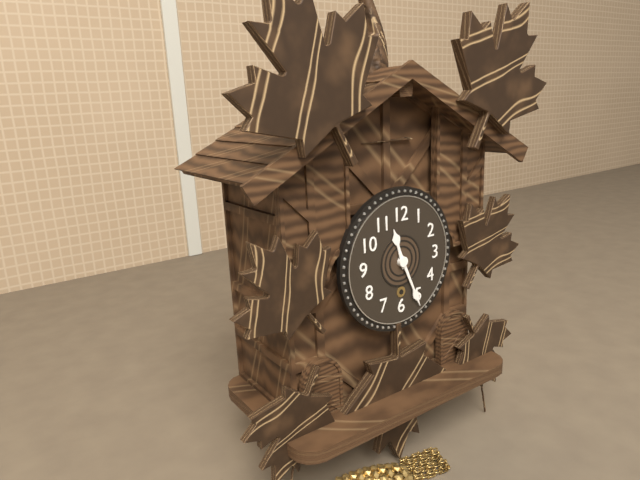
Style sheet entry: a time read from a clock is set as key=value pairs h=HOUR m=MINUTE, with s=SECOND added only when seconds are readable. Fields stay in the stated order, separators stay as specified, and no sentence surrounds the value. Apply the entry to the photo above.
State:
h=11 m=26
